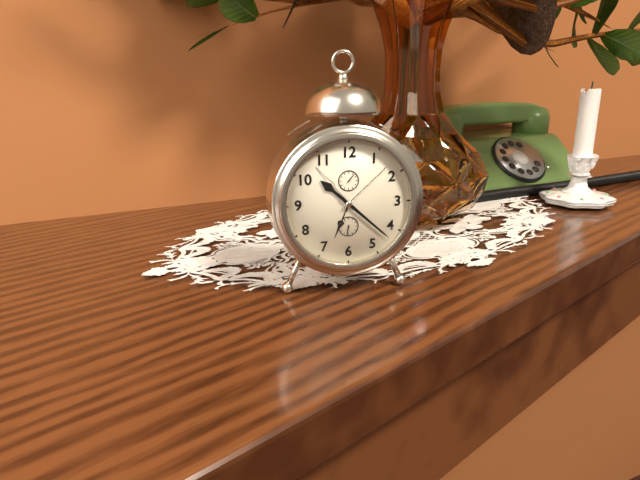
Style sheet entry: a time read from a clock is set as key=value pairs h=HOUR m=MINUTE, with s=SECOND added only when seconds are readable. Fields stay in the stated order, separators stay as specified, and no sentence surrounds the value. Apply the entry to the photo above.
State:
h=10 m=22
